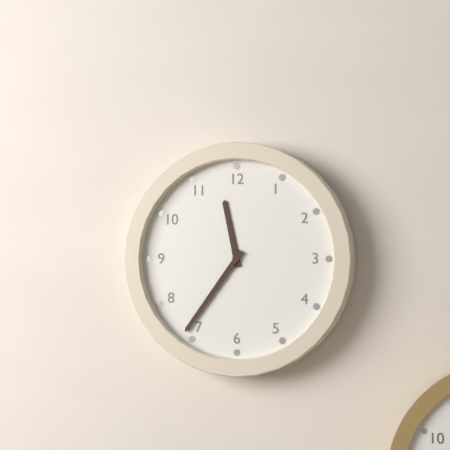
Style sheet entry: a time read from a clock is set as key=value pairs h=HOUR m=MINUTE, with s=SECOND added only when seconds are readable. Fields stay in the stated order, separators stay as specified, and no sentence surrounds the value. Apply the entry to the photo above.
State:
h=11 m=36
